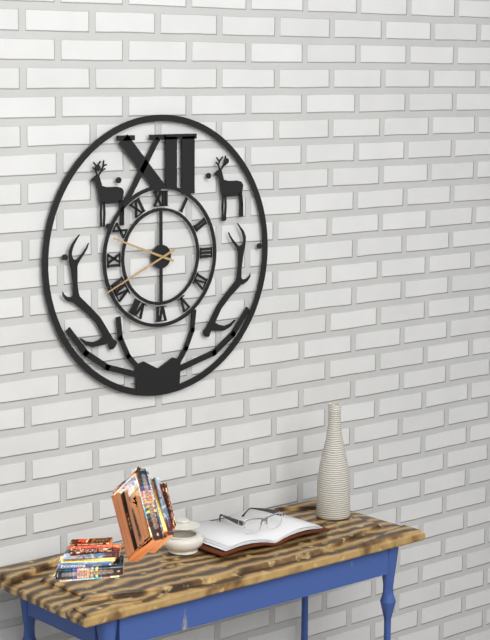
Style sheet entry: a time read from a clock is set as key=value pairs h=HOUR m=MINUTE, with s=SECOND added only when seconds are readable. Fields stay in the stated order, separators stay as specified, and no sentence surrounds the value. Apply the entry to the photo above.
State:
h=9 m=41
